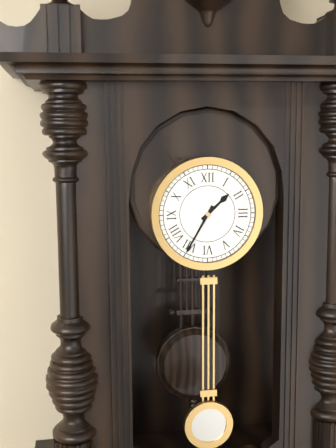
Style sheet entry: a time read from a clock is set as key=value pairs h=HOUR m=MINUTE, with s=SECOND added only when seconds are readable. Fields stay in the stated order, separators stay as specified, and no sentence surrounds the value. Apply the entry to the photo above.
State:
h=1 m=35
